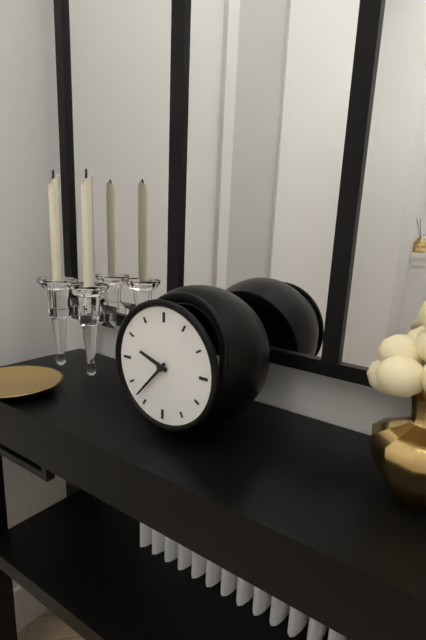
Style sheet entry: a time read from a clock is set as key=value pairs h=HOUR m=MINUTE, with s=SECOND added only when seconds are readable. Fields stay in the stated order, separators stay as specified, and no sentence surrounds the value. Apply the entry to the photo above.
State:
h=9 m=37
